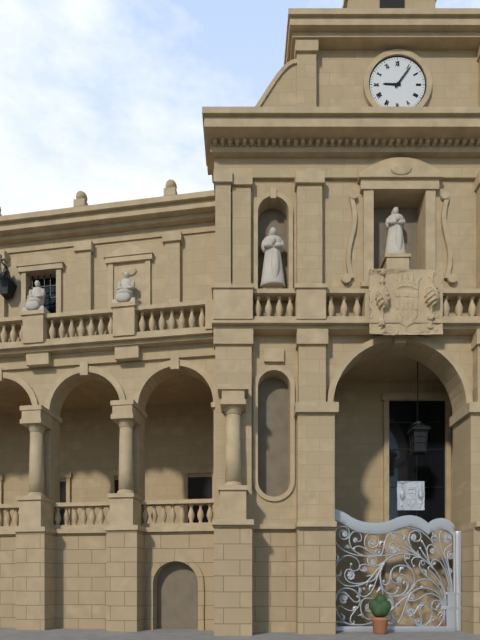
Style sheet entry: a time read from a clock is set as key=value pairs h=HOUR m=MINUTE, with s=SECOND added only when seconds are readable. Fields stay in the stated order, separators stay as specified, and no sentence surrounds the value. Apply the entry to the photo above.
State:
h=9 m=6
